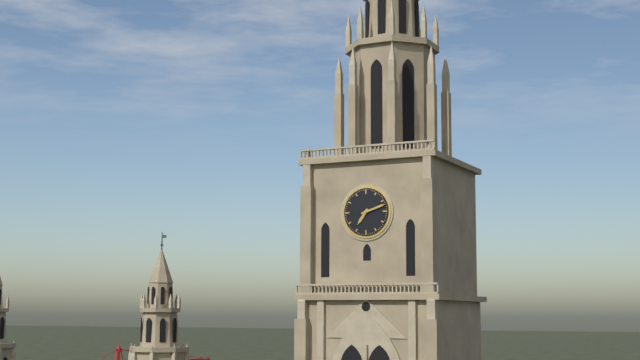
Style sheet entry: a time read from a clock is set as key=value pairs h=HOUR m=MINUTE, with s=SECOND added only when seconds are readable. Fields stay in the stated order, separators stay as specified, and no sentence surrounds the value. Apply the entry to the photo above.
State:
h=7 m=12
